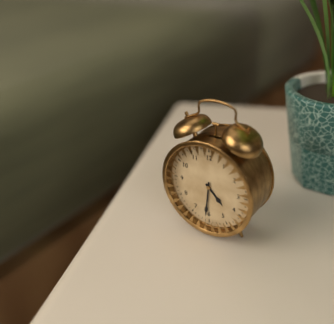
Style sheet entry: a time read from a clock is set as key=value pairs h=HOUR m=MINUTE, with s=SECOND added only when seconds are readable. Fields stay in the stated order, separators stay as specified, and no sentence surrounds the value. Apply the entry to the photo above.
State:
h=4 m=31
